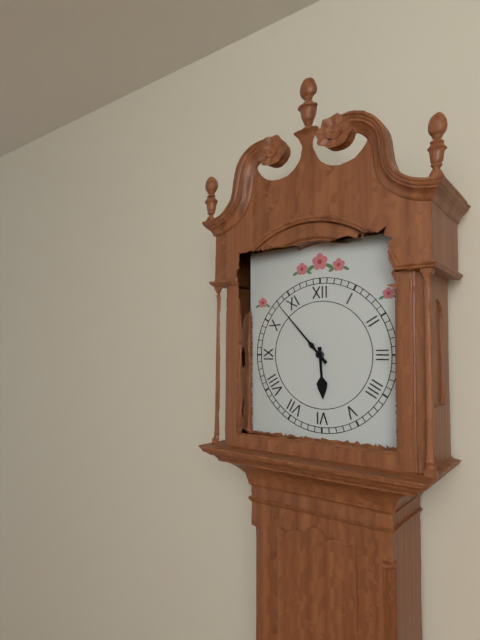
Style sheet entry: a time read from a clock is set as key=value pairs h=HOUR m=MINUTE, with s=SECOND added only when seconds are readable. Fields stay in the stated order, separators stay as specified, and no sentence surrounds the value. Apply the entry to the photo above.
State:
h=5 m=53
